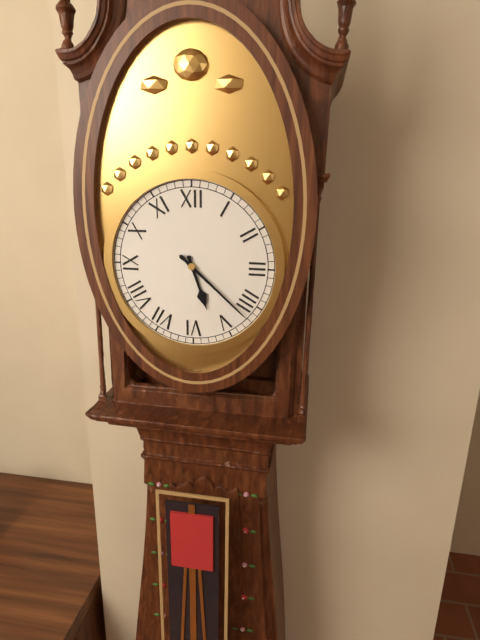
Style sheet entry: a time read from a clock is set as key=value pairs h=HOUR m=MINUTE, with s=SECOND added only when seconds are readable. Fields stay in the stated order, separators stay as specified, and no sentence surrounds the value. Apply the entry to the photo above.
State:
h=5 m=22
